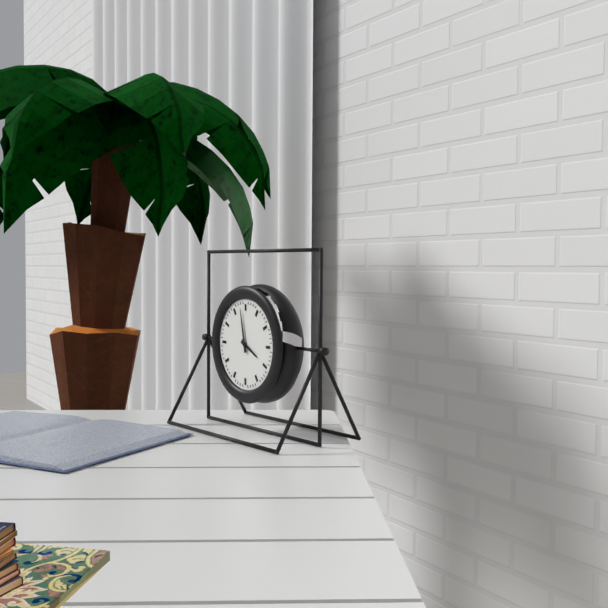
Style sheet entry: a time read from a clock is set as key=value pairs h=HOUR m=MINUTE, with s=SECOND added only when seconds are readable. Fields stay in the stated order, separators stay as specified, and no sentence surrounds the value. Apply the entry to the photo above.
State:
h=3 m=58
